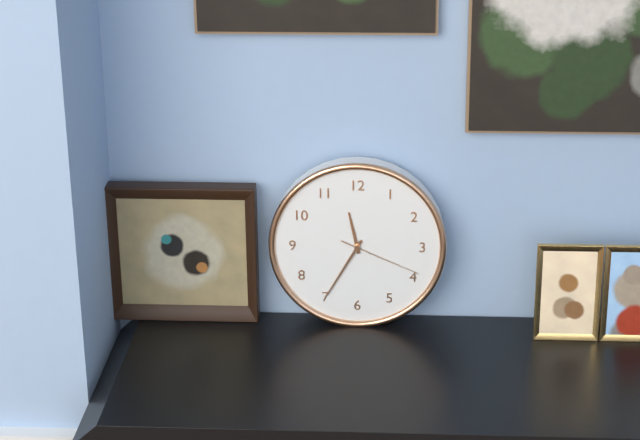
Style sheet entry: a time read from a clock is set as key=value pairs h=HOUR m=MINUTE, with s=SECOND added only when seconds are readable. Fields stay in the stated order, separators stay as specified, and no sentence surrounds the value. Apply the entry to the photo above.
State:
h=11 m=35 s=19
